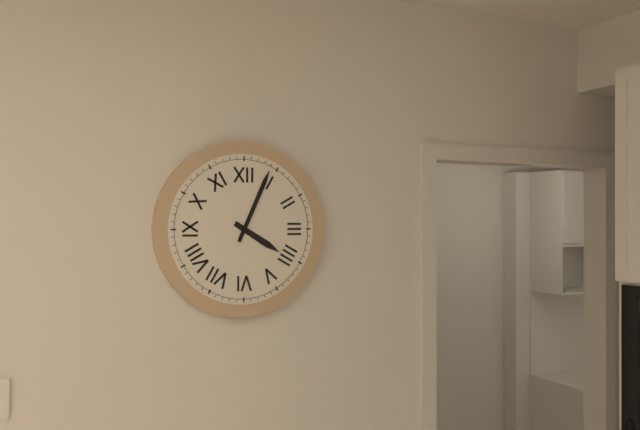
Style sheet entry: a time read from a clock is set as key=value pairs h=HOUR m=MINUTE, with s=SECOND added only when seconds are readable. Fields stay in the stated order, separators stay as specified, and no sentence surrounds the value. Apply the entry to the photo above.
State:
h=4 m=4
